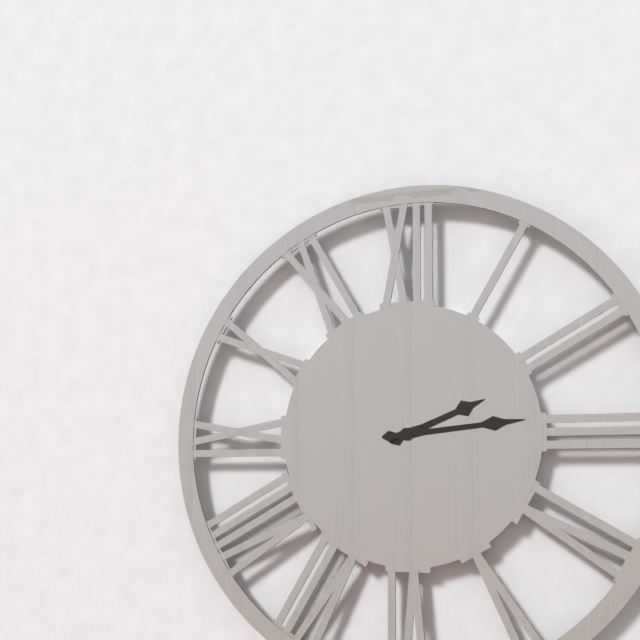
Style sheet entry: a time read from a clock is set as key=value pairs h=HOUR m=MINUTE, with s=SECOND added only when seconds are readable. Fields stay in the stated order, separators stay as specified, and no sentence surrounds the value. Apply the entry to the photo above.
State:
h=2 m=14
